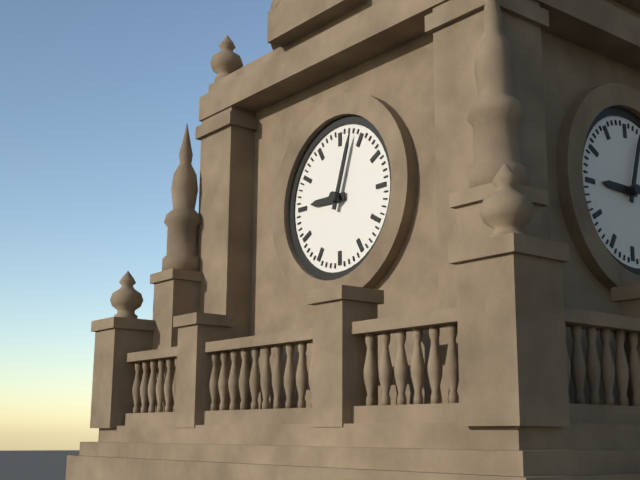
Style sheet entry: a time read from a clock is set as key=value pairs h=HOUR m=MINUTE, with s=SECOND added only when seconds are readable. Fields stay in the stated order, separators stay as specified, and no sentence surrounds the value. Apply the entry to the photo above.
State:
h=9 m=3
